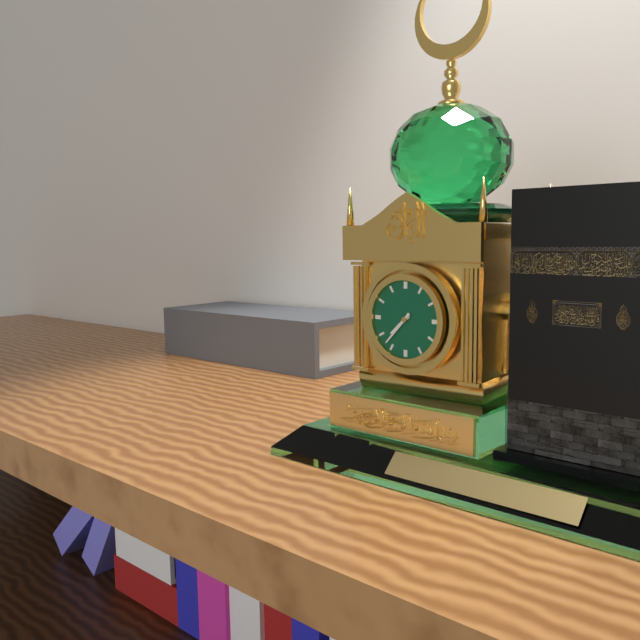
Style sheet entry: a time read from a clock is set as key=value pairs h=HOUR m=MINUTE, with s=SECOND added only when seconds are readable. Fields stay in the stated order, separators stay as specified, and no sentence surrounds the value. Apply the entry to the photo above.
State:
h=7 m=37
